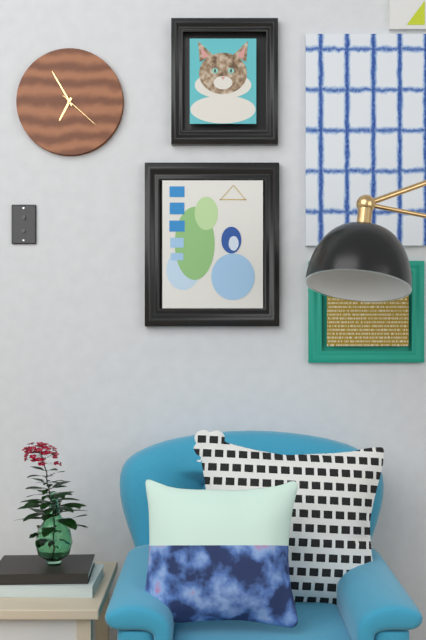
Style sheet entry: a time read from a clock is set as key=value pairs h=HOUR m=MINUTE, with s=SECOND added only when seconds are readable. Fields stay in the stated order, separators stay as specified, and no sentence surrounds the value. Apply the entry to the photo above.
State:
h=6 m=55
